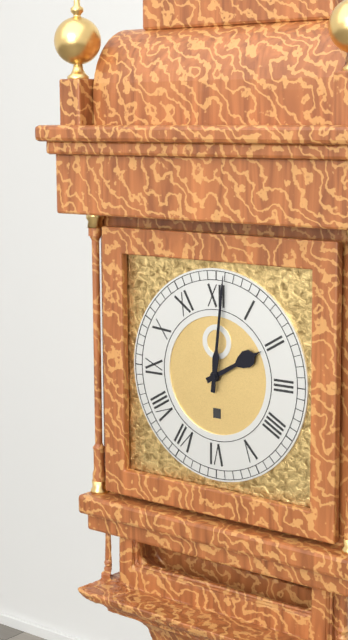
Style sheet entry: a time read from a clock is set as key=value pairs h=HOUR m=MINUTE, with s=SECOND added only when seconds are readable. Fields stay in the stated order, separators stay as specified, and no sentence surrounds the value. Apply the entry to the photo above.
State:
h=2 m=1
